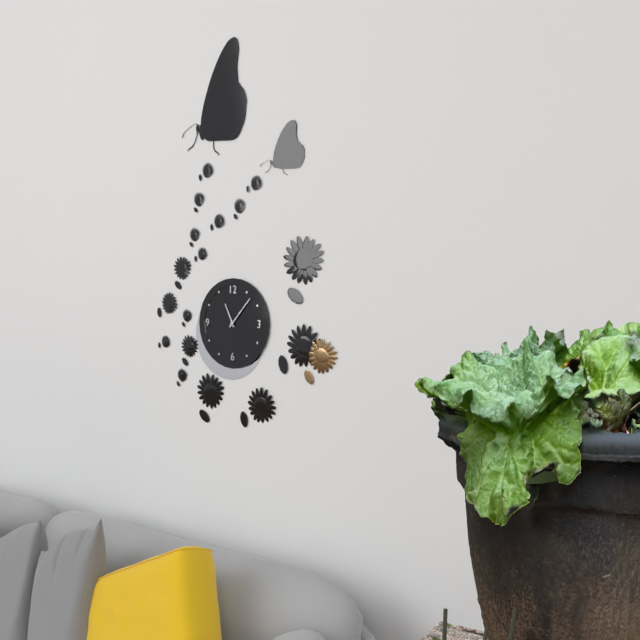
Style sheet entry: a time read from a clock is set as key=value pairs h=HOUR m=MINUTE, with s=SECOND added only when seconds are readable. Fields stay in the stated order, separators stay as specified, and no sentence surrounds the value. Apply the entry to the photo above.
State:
h=11 m=7
